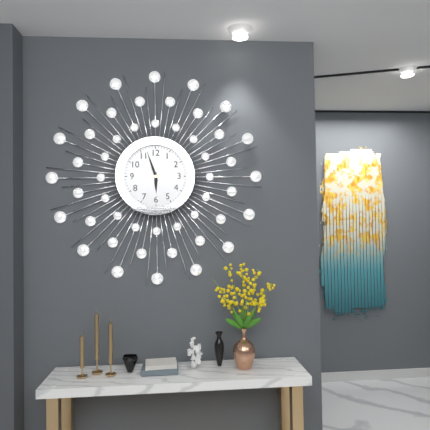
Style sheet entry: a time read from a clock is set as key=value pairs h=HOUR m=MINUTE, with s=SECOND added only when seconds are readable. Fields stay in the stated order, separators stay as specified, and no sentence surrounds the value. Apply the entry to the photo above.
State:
h=5 m=57
